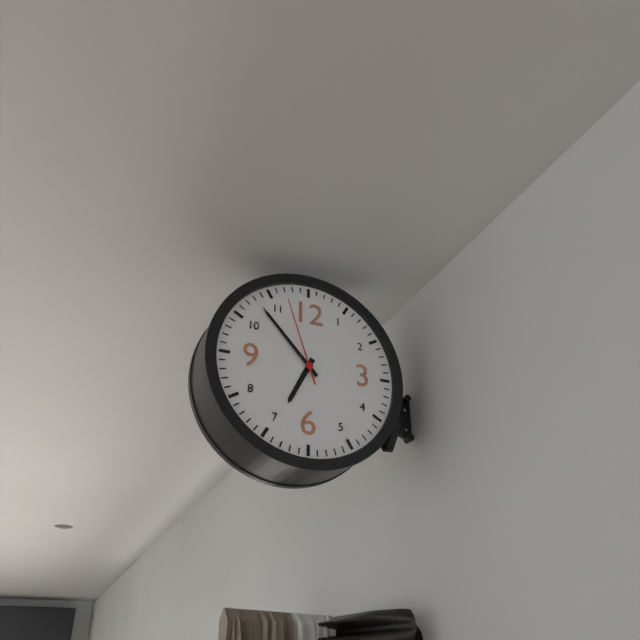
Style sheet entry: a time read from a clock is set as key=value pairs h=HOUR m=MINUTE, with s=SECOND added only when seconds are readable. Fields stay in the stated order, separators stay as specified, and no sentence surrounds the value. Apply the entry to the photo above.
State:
h=6 m=53 s=57
